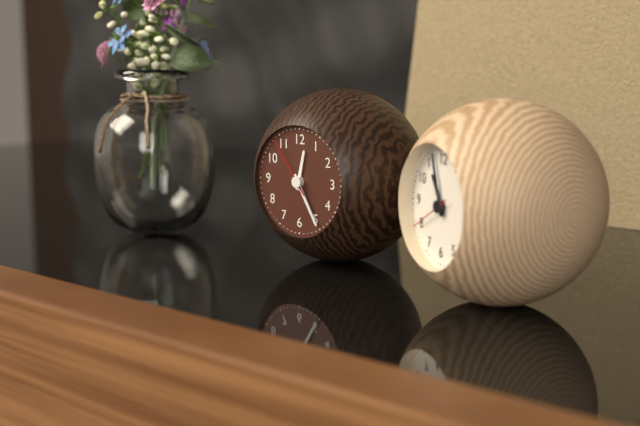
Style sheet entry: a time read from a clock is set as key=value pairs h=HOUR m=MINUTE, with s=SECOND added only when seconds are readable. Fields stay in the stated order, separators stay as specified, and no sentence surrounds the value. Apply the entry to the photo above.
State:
h=12 m=25 s=54
